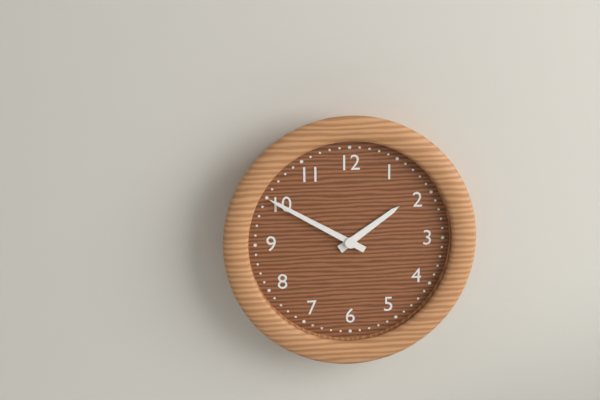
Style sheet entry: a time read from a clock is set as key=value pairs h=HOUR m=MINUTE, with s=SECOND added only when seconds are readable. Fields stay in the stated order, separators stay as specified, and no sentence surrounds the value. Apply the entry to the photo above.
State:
h=1 m=50
